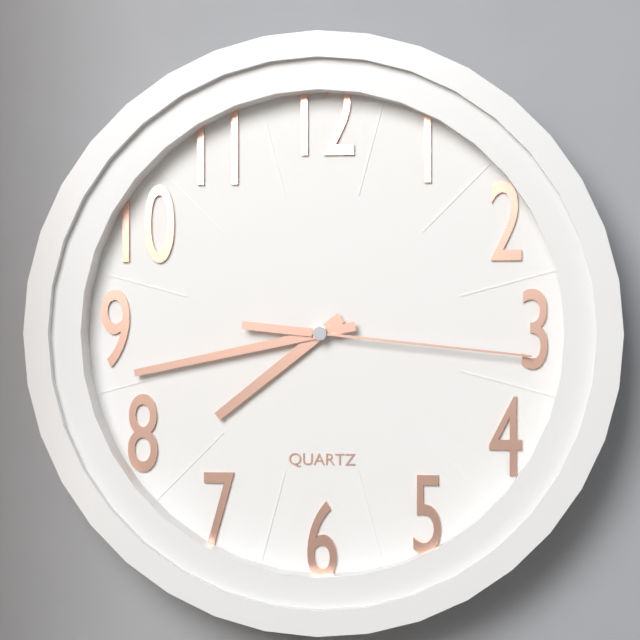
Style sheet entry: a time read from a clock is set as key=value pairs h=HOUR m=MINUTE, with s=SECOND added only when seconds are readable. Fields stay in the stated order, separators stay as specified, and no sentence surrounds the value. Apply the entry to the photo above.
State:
h=7 m=43 s=16
